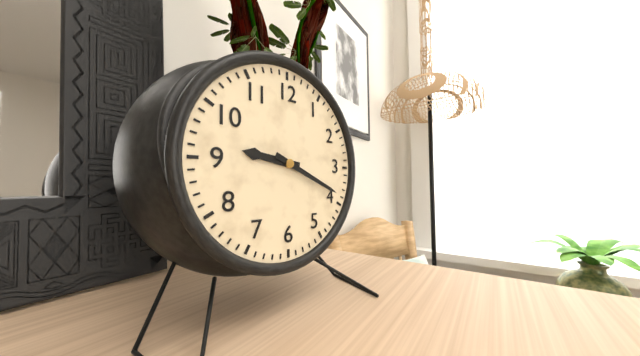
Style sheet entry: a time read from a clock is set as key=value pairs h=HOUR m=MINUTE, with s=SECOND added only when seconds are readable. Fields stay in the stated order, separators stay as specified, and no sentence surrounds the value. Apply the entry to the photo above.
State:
h=9 m=19
